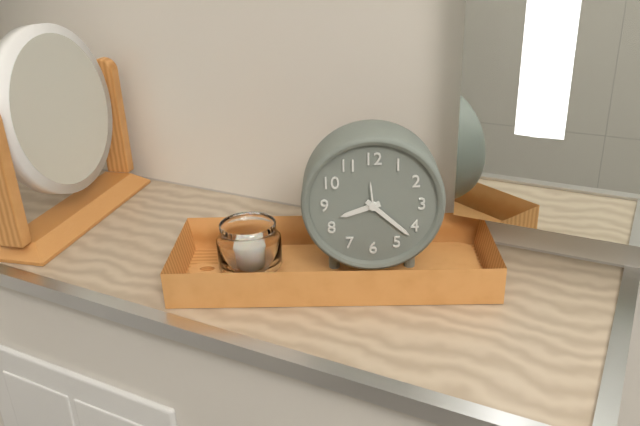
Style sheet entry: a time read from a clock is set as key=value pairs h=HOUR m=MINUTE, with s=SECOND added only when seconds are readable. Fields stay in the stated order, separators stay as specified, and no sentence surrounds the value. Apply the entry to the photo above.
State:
h=8 m=22
